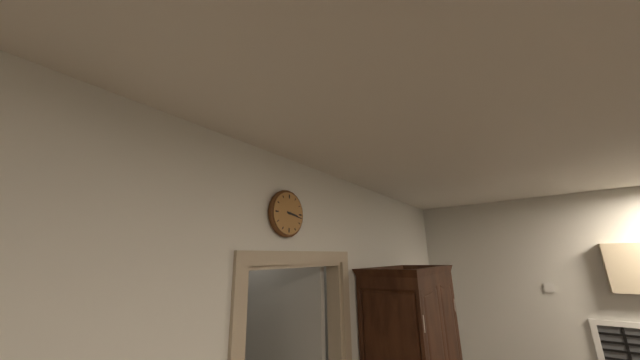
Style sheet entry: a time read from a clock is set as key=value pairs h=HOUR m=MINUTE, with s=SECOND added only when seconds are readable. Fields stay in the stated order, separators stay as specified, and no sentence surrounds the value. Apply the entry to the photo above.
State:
h=3 m=17
